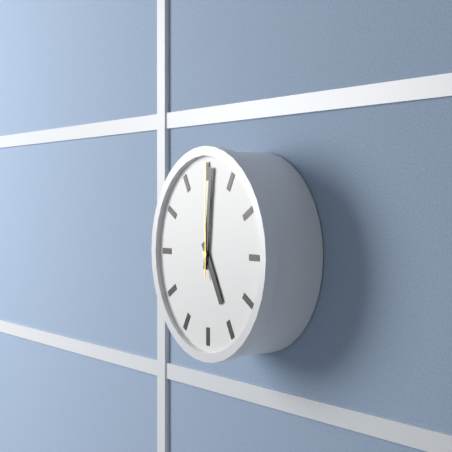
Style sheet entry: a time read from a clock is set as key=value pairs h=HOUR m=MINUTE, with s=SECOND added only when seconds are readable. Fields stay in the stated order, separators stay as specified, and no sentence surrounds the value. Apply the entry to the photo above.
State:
h=5 m=1 s=0
